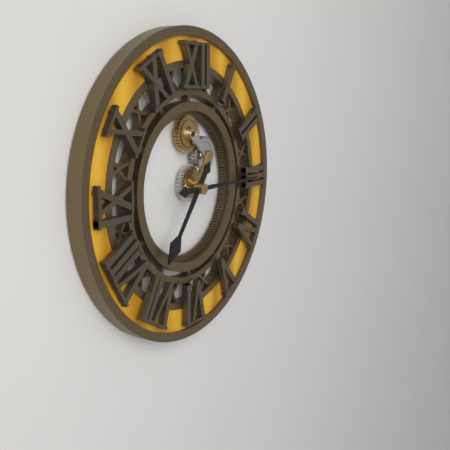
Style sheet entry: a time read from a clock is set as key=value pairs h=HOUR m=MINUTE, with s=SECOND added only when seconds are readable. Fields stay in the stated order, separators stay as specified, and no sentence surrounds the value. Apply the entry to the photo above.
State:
h=7 m=15
